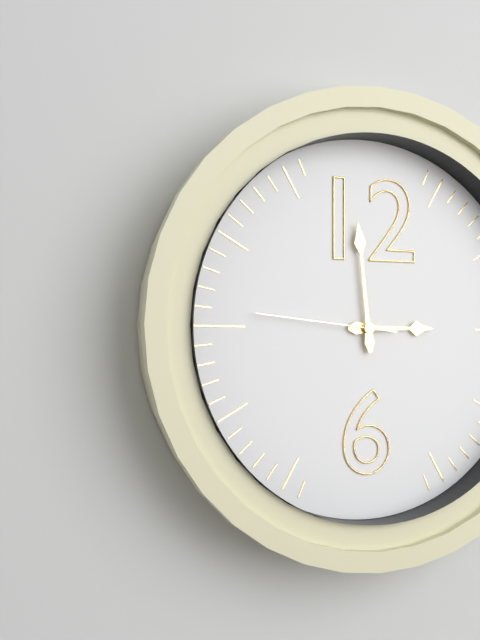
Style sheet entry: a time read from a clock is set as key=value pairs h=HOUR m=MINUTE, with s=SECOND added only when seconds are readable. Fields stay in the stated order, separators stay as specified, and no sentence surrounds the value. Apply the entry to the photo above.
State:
h=2 m=59 s=46
